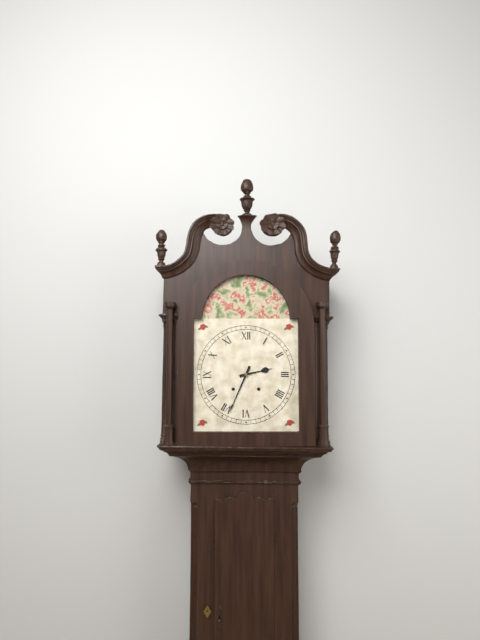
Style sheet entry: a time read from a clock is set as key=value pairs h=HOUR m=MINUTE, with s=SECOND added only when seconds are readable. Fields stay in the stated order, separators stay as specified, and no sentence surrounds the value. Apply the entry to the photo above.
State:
h=2 m=34
